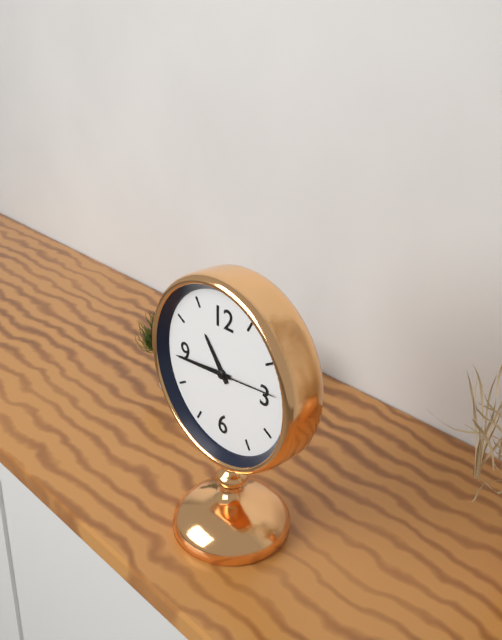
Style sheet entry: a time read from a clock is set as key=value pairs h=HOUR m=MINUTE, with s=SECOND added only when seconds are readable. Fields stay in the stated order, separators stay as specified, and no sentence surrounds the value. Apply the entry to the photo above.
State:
h=10 m=44 s=14
